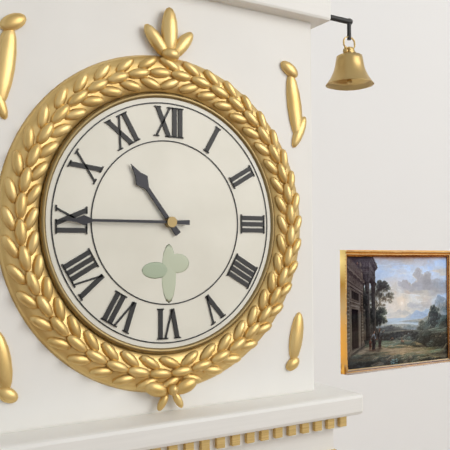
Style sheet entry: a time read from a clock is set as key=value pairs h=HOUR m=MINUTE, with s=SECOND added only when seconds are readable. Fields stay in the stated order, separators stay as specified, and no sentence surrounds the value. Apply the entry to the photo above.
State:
h=10 m=45
